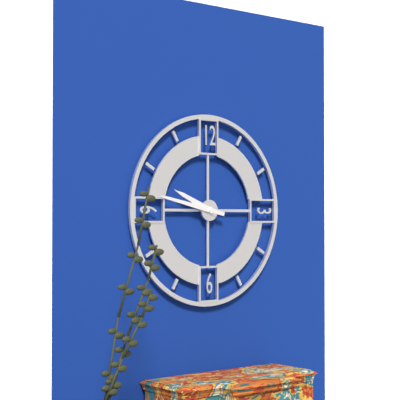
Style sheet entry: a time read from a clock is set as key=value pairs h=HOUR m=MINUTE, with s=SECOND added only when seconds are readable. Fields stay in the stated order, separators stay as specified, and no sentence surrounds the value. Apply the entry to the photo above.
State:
h=9 m=47
